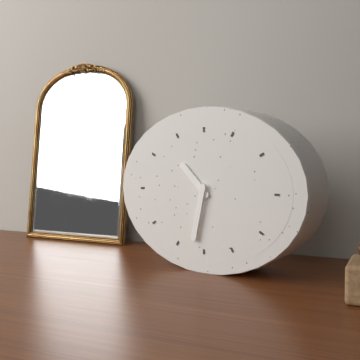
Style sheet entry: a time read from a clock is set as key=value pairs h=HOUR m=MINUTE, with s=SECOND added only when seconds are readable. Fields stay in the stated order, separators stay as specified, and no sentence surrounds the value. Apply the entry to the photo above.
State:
h=10 m=32
